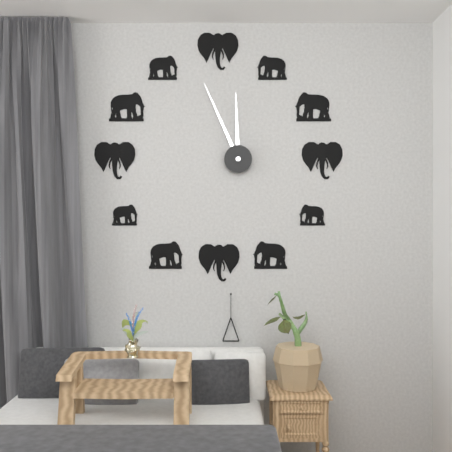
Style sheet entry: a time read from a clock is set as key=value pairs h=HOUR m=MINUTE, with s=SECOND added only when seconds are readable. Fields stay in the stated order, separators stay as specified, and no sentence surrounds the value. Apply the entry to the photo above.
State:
h=11 m=56
